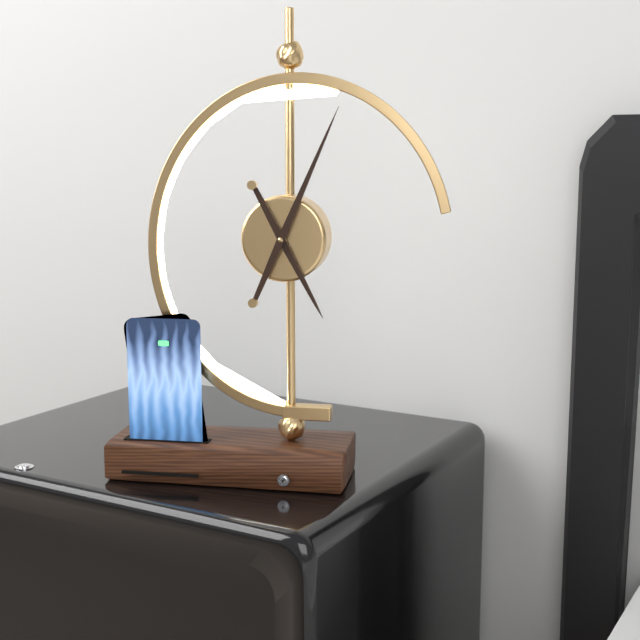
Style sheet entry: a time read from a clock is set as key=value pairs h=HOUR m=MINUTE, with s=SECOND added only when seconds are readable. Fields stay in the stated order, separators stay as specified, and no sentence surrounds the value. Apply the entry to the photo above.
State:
h=5 m=4
